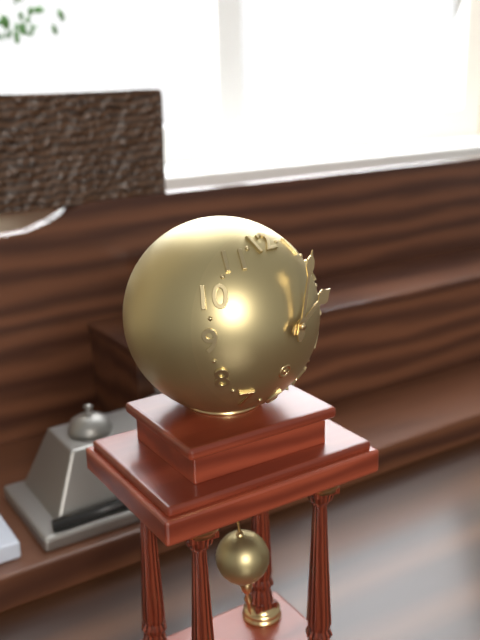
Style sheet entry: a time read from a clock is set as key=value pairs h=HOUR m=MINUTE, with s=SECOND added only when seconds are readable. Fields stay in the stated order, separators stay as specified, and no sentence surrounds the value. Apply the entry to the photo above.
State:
h=2 m=3
